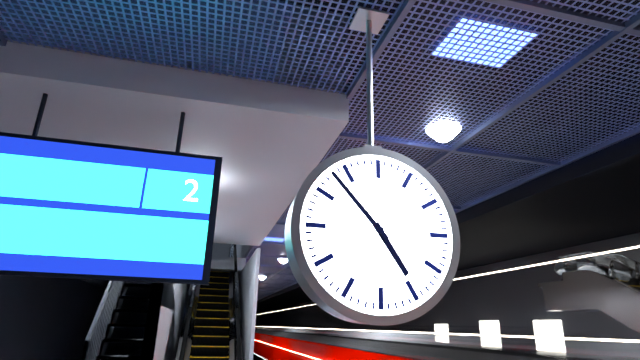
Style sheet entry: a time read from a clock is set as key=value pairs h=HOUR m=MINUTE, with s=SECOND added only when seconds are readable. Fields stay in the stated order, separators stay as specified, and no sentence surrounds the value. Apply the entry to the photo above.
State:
h=4 m=53
